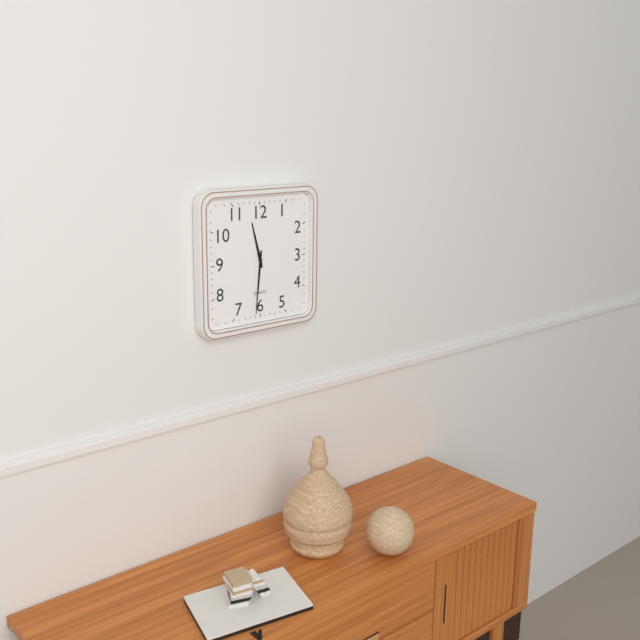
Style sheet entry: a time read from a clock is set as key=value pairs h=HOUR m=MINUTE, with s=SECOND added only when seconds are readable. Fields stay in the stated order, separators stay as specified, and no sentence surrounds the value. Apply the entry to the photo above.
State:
h=11 m=31
